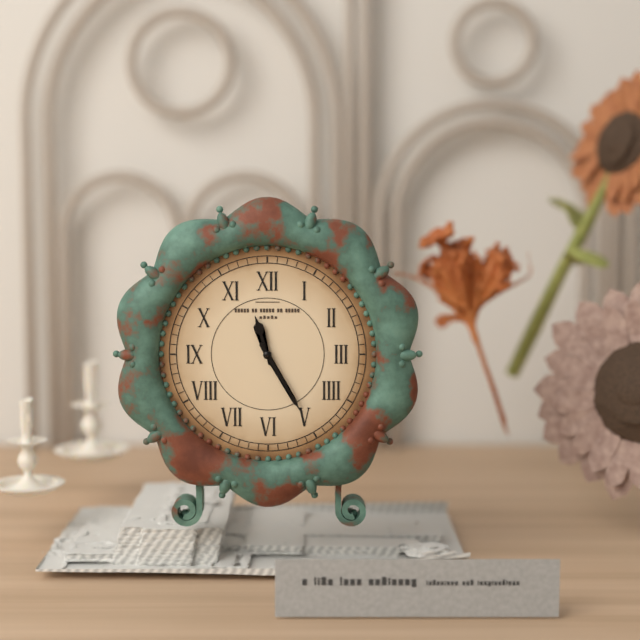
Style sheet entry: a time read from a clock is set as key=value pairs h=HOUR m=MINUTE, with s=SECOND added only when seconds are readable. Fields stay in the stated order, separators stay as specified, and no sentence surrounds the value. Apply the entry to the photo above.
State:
h=11 m=25
